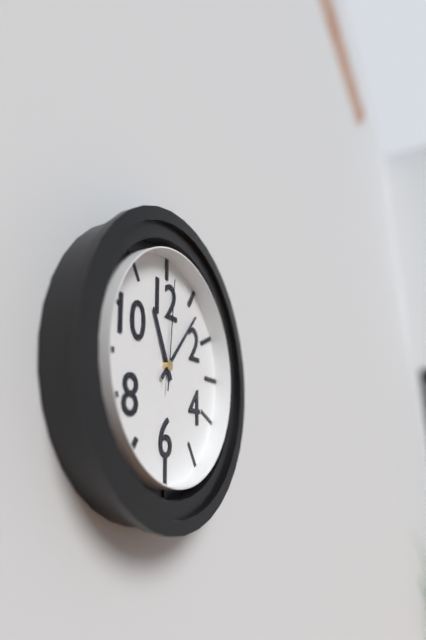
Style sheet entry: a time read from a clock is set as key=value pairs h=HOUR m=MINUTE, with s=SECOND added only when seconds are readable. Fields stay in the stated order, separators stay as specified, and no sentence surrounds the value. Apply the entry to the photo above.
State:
h=11 m=7 s=1
